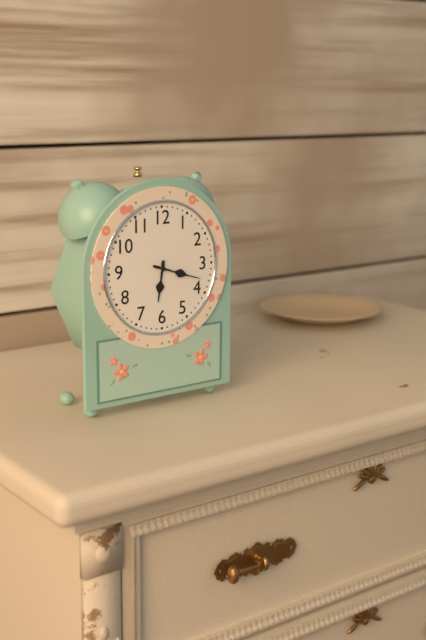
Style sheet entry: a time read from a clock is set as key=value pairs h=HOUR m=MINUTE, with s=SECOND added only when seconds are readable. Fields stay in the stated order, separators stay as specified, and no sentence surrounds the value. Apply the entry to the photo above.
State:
h=6 m=18
